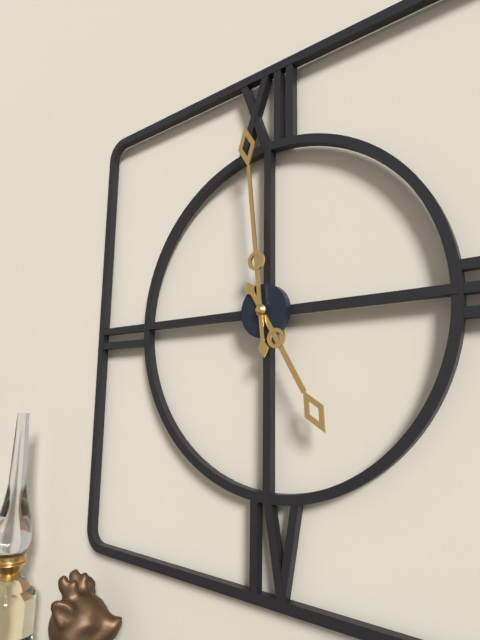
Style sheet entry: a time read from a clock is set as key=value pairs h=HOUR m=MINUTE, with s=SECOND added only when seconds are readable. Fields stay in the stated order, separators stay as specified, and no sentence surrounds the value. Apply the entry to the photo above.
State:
h=4 m=59
